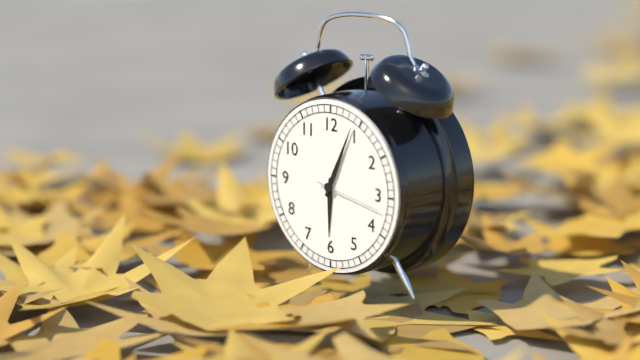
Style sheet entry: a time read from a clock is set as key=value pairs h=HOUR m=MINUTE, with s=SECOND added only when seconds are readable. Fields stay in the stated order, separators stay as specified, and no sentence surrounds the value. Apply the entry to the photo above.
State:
h=6 m=4 s=17
